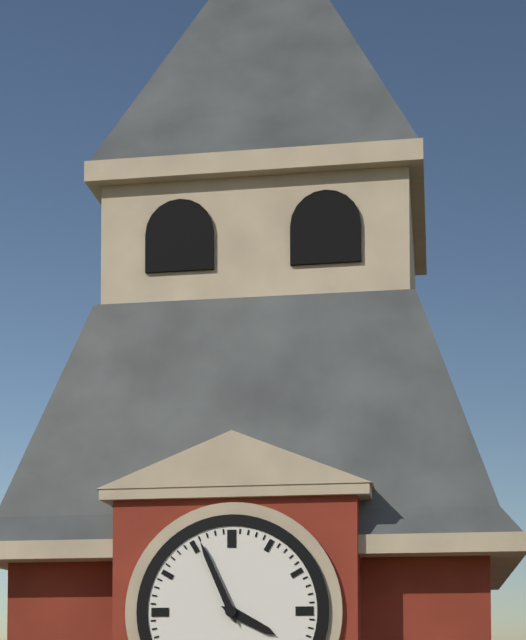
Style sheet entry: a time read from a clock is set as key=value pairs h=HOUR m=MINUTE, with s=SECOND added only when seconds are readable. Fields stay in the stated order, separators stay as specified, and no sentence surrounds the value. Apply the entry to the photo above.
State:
h=3 m=56
